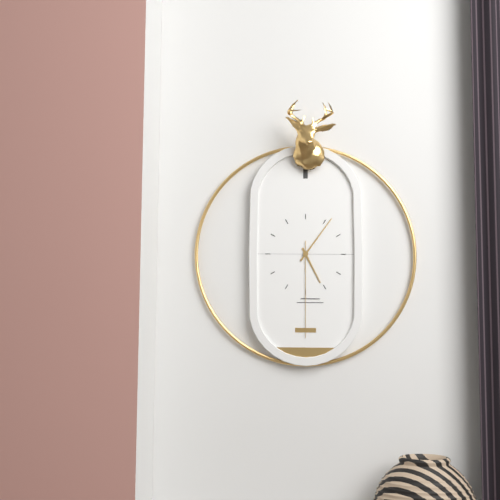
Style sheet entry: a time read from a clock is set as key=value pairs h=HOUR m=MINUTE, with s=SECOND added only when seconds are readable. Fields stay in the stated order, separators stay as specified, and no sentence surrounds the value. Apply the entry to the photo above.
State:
h=5 m=6 s=30
